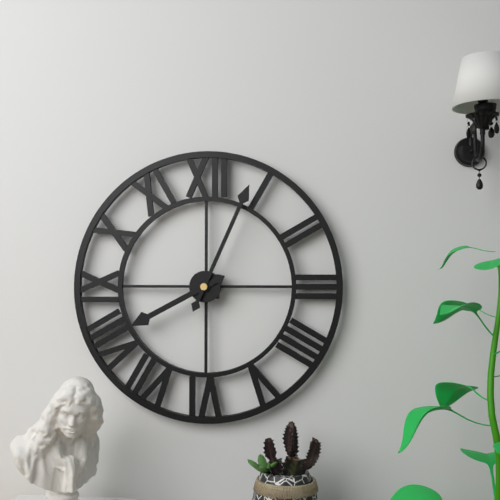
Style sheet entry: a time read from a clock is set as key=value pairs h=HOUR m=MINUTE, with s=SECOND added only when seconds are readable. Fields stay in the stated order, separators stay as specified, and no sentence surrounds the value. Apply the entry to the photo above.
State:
h=8 m=4
